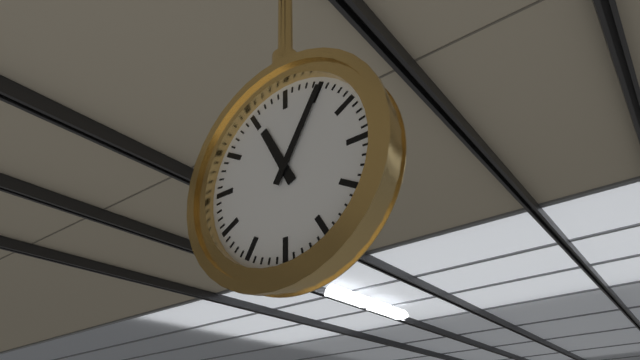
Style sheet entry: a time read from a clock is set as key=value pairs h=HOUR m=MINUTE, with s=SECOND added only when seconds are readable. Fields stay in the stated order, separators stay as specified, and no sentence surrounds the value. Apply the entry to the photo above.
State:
h=11 m=5
